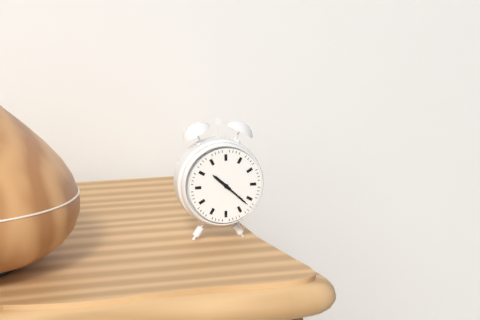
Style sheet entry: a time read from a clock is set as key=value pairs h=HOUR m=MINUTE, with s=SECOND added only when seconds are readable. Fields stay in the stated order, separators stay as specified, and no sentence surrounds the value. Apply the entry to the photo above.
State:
h=10 m=22
